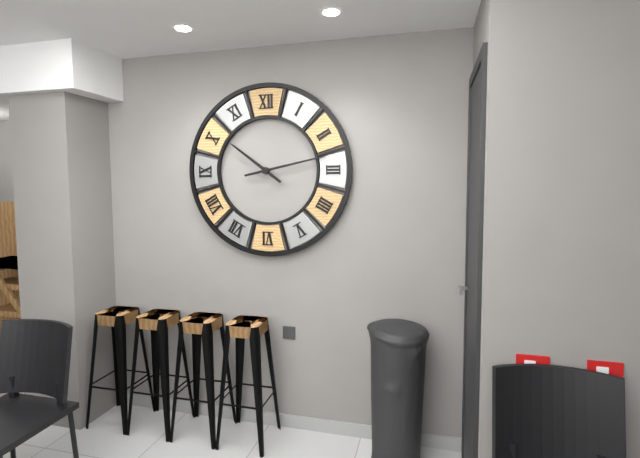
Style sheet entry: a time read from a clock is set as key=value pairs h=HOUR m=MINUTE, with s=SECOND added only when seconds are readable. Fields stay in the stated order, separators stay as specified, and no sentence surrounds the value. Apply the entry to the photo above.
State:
h=10 m=13
